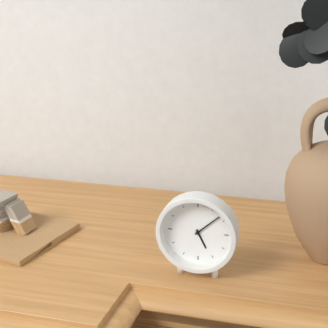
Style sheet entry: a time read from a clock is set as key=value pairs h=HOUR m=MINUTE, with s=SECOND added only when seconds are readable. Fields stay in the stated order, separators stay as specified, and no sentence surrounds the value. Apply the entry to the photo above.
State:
h=5 m=8
